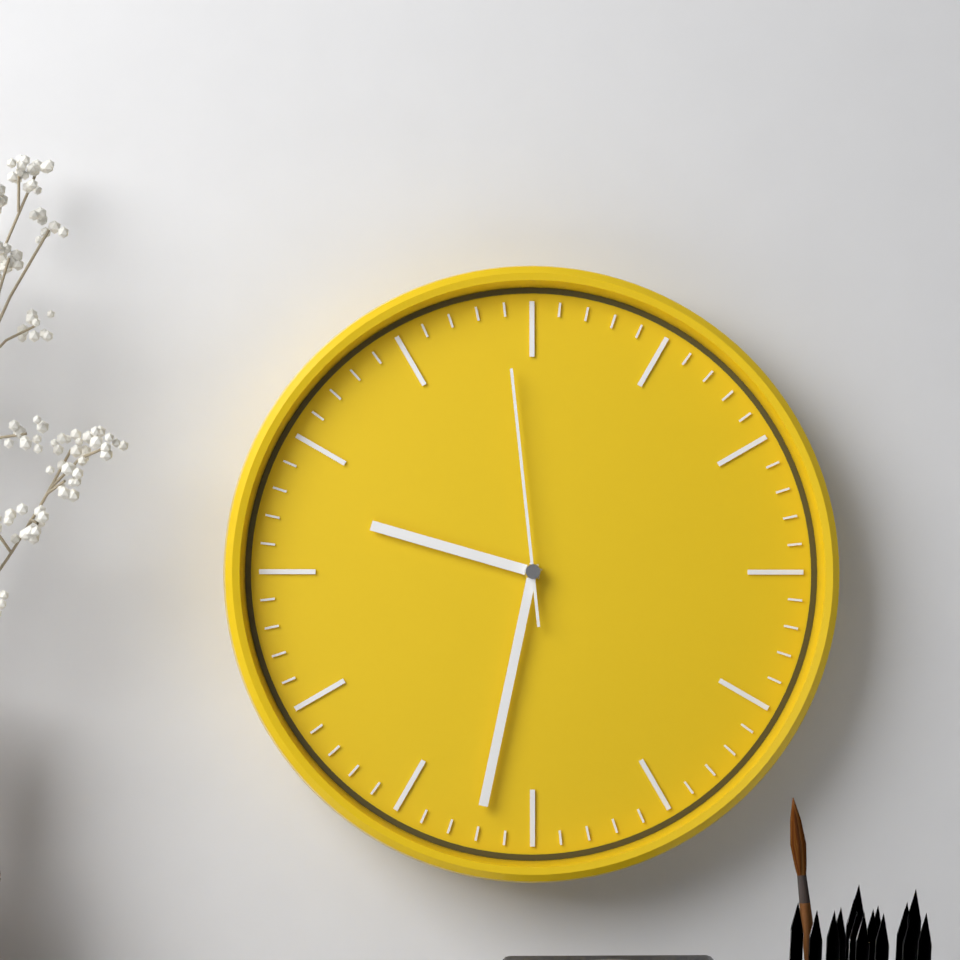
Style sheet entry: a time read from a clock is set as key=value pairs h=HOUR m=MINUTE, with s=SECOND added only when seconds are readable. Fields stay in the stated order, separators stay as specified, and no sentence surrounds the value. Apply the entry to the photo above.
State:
h=9 m=32 s=59
